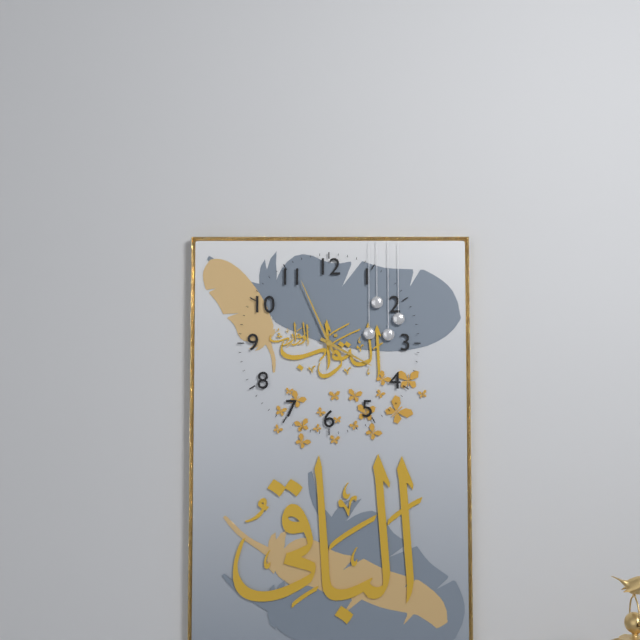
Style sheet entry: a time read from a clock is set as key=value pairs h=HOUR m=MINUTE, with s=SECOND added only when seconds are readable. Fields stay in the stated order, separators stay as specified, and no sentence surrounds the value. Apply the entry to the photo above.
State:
h=3 m=56
